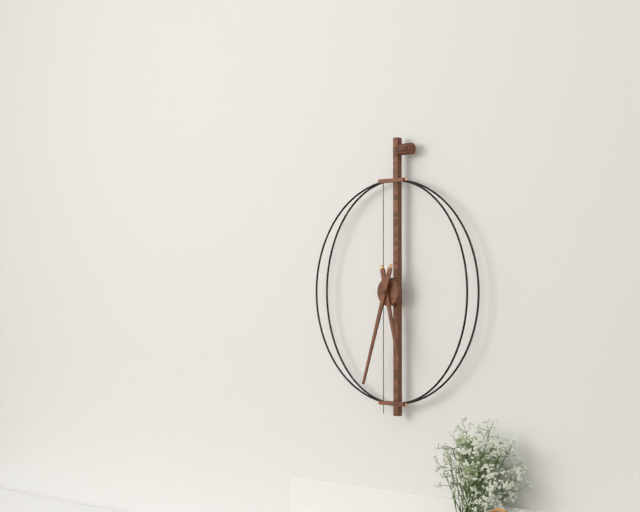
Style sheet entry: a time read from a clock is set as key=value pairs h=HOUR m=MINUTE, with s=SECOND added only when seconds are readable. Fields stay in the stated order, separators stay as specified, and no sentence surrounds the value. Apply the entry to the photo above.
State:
h=5 m=33
